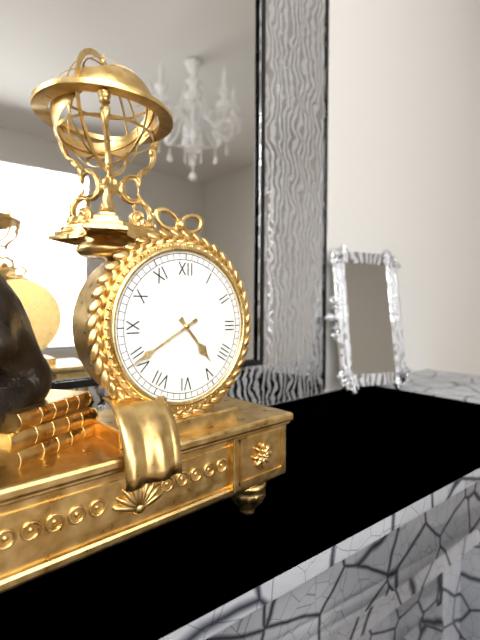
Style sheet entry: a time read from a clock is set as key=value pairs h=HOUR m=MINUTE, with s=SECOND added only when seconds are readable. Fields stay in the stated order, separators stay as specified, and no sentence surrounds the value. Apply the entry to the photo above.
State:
h=4 m=40
